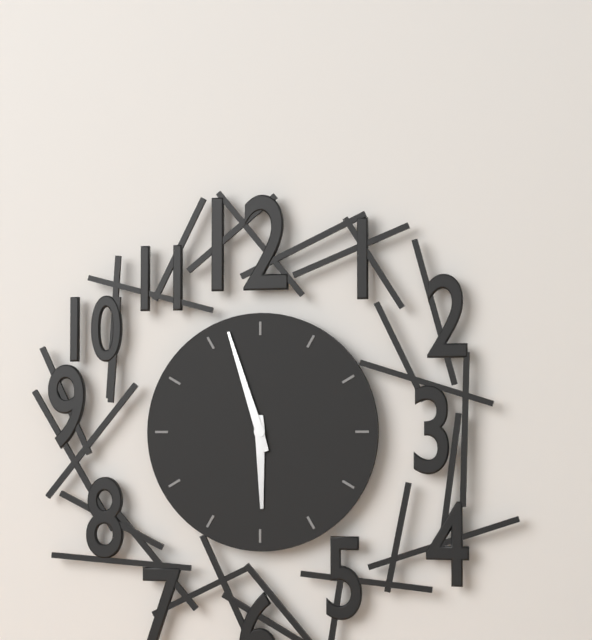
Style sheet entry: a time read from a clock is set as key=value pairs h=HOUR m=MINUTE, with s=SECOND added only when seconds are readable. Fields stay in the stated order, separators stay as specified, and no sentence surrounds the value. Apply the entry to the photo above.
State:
h=5 m=57
